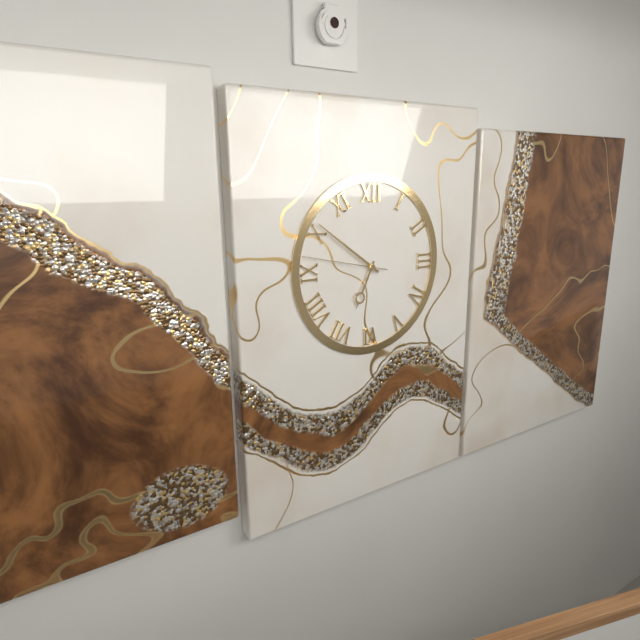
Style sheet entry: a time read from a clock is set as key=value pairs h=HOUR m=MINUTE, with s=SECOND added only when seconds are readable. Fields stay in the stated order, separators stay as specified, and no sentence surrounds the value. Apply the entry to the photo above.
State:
h=6 m=51 s=47
